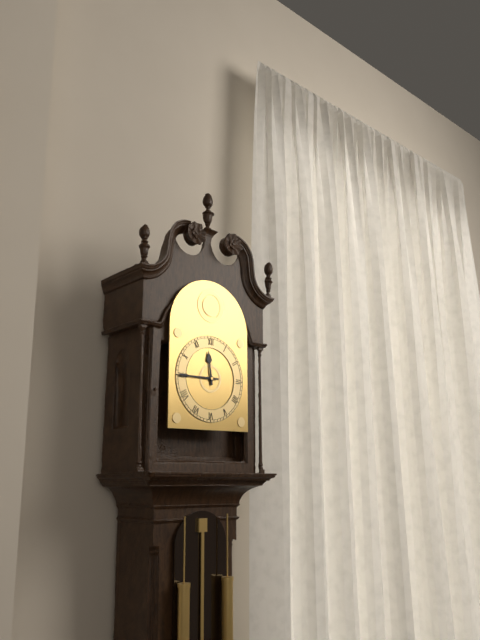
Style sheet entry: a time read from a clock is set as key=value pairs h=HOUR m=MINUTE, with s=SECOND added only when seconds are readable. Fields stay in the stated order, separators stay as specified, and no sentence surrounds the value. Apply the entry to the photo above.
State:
h=11 m=45
